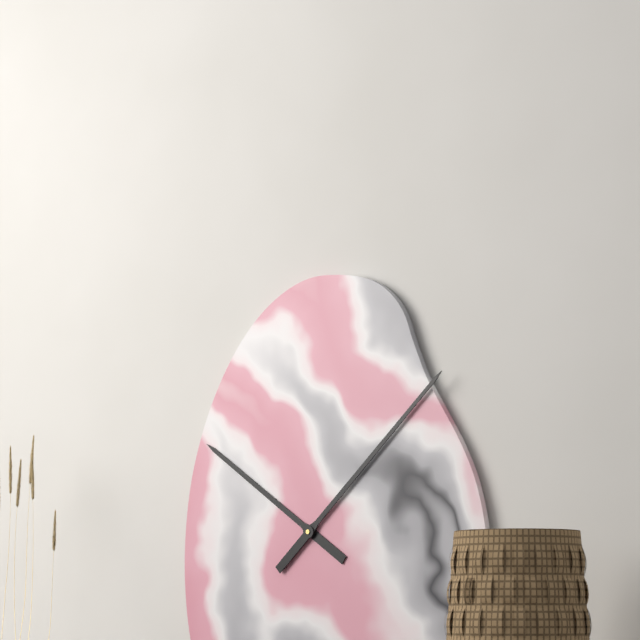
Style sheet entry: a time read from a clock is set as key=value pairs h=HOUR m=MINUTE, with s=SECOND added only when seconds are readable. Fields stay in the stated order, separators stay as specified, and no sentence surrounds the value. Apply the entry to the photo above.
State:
h=10 m=8
